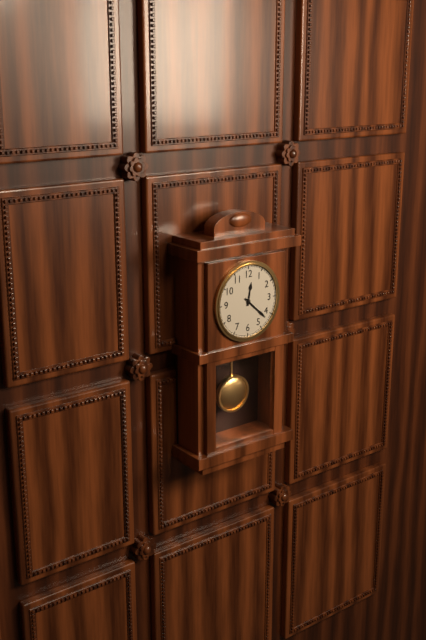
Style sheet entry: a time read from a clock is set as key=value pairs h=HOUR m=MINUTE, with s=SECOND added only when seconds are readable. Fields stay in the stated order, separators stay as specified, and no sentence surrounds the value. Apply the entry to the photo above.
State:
h=12 m=22
